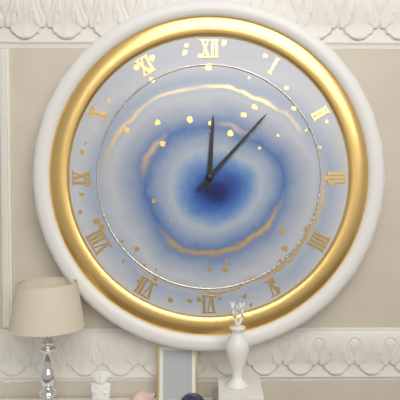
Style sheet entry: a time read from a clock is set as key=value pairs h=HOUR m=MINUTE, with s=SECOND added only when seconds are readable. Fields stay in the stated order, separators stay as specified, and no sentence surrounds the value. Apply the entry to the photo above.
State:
h=12 m=7
